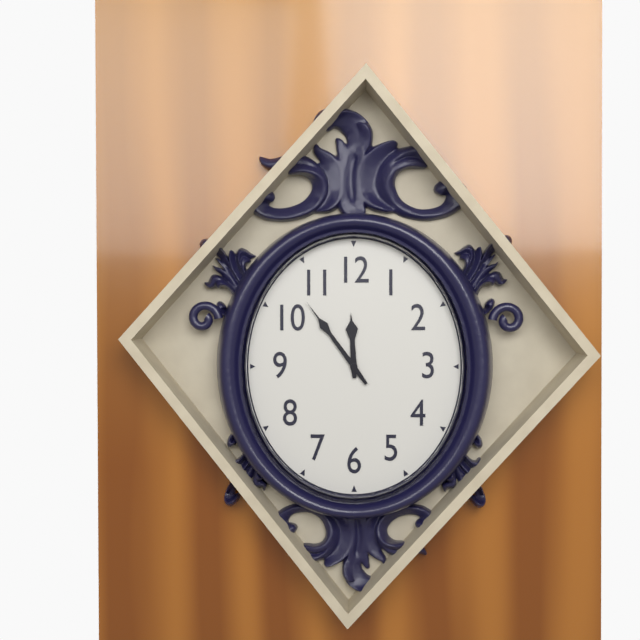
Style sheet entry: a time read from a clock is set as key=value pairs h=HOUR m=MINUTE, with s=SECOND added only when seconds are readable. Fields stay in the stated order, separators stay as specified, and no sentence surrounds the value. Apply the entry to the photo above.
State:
h=11 m=54
